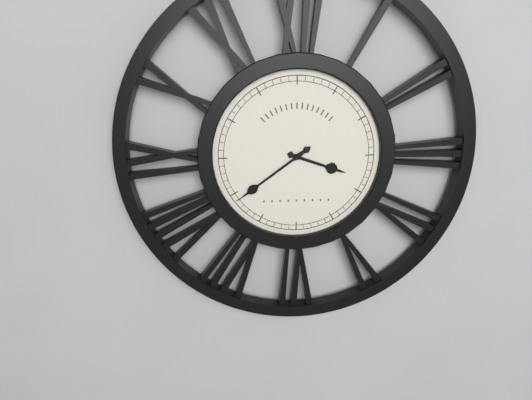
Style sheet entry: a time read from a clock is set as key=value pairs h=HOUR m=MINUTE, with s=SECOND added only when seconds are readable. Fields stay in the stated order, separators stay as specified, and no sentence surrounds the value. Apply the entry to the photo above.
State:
h=3 m=39
